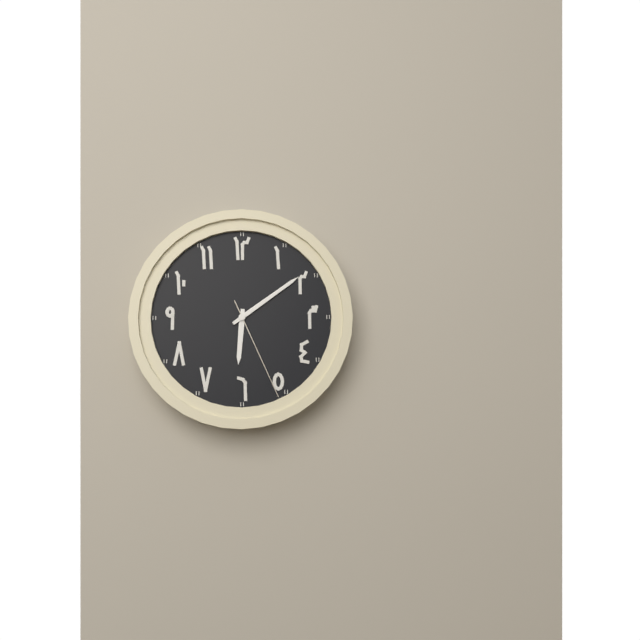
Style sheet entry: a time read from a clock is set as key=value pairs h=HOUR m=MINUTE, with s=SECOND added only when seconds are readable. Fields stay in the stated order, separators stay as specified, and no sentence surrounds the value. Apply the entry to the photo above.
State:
h=6 m=9 s=26
